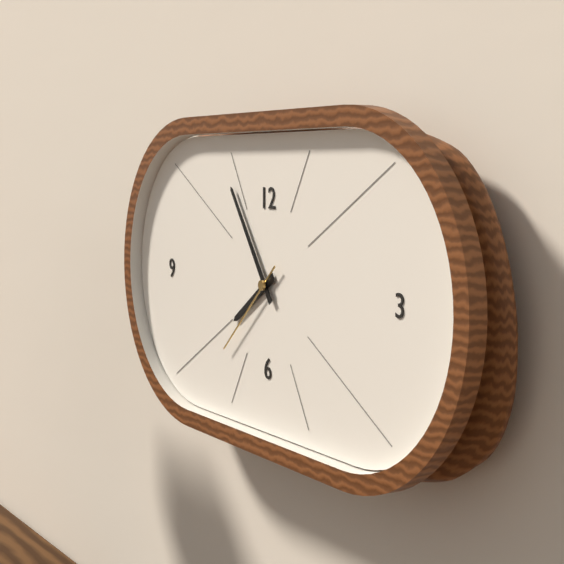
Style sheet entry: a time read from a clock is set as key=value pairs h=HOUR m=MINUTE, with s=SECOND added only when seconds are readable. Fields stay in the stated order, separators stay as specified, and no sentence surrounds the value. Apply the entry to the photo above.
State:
h=7 m=54 s=38
